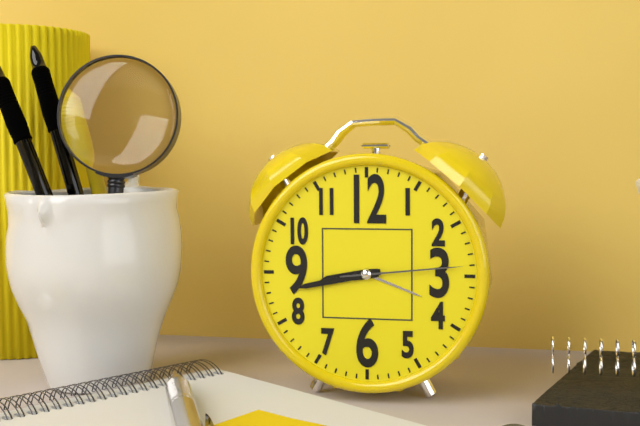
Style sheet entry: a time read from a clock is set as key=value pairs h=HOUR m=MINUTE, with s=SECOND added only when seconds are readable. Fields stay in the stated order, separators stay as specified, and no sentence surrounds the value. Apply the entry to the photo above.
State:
h=8 m=43 s=14
